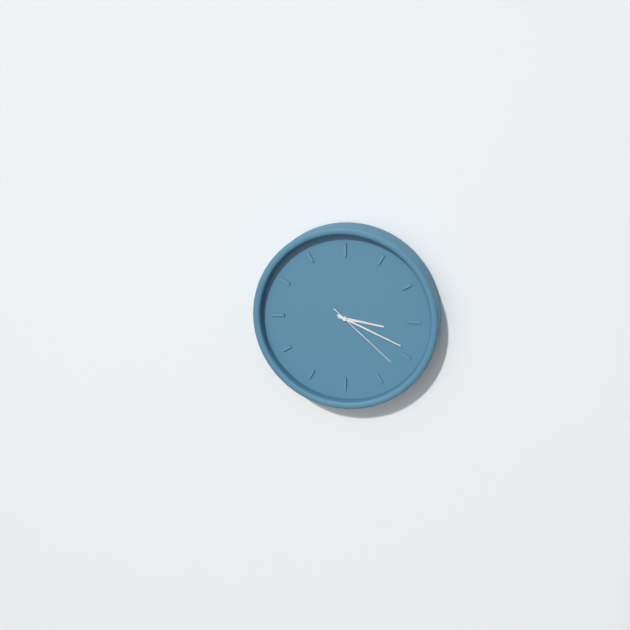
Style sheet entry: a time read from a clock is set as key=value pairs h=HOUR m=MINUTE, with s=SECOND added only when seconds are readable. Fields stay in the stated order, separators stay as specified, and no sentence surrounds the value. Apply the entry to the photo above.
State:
h=3 m=19 s=22
